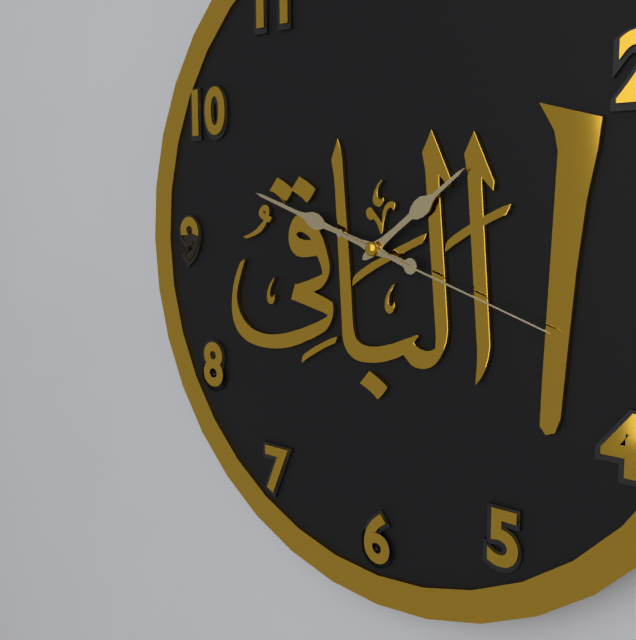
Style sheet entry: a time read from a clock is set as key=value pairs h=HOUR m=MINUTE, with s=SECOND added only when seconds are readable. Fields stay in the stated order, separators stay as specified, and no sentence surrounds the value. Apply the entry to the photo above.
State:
h=1 m=48 s=18
